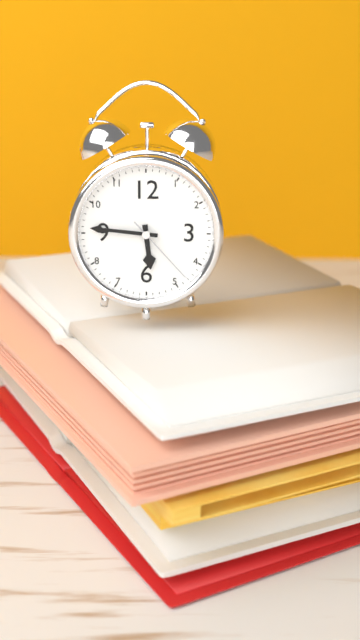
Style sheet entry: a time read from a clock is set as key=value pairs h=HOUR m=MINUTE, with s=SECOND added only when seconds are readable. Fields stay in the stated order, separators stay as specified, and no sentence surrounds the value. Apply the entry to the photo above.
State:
h=5 m=46 s=23
